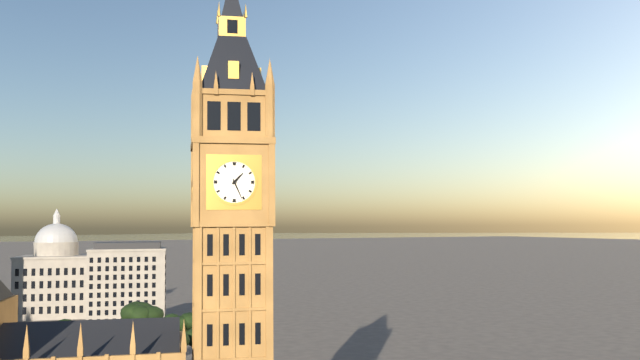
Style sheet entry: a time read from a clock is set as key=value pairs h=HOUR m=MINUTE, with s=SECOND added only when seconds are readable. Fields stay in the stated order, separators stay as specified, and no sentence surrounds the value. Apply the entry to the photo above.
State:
h=1 m=26
